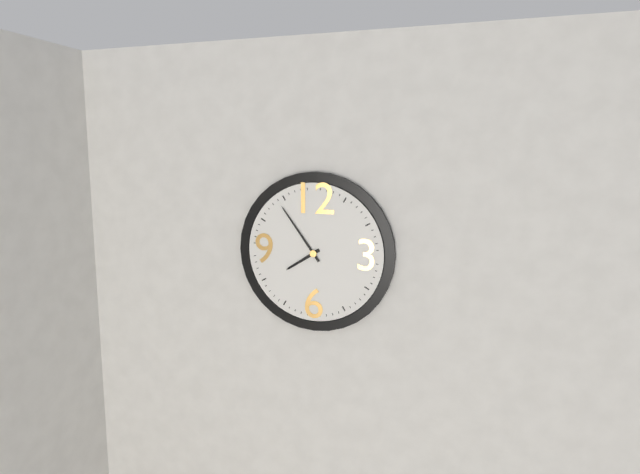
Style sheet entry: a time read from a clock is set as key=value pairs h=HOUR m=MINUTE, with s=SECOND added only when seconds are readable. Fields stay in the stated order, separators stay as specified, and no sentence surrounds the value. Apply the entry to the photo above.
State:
h=7 m=54
